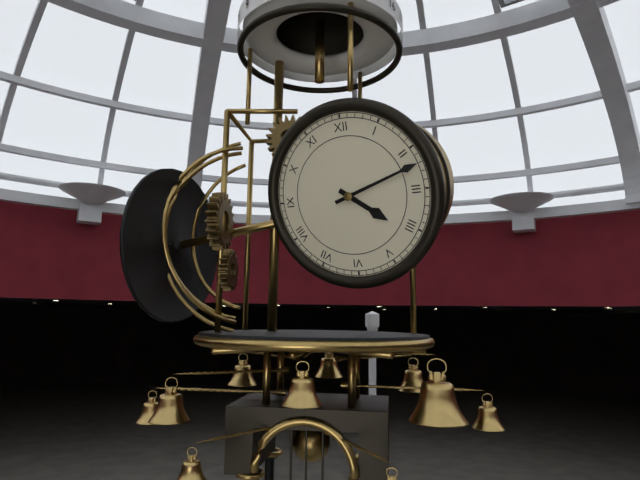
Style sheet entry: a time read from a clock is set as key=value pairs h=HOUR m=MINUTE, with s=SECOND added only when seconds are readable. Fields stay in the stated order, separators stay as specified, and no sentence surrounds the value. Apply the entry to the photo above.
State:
h=4 m=12
